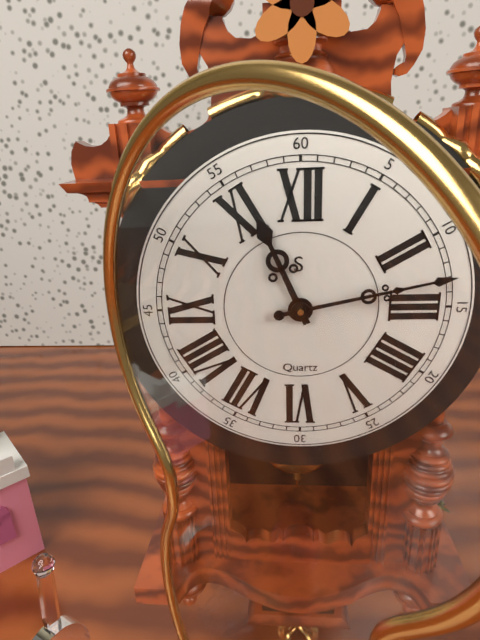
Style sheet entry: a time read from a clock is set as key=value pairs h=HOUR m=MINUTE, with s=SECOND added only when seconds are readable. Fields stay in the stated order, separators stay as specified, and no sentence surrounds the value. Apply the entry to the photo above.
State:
h=11 m=13
